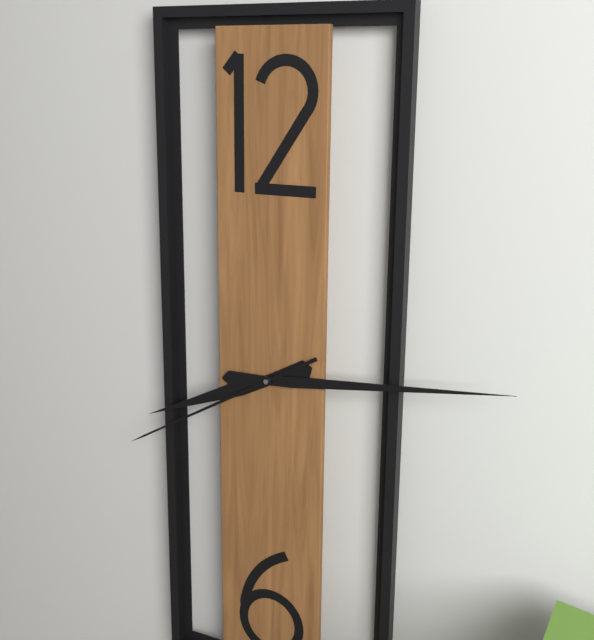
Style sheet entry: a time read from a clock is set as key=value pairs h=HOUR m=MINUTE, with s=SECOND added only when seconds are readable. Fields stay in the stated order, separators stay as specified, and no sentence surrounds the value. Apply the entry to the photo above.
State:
h=8 m=14 s=40
